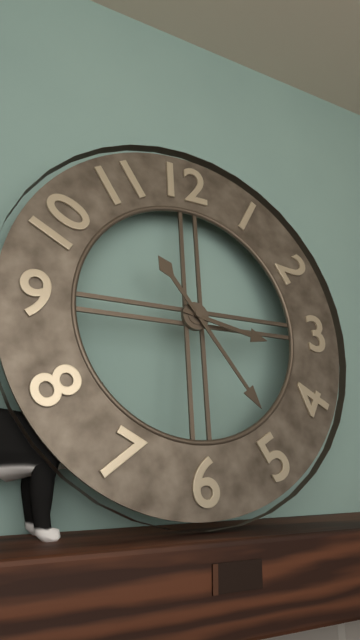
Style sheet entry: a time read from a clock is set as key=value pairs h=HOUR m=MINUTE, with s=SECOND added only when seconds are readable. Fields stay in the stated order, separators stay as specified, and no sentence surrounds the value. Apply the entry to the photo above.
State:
h=3 m=24
